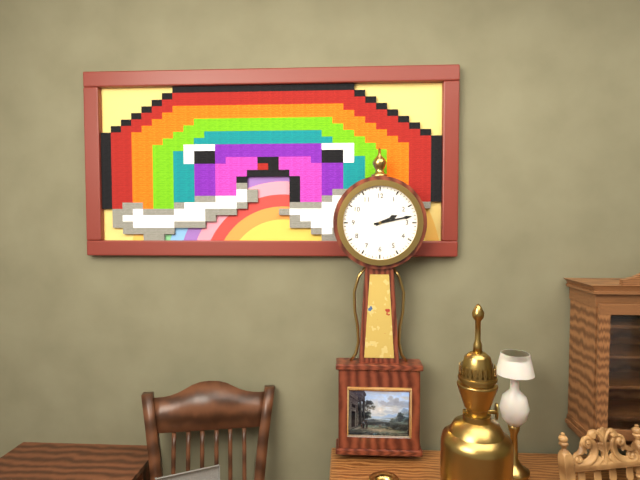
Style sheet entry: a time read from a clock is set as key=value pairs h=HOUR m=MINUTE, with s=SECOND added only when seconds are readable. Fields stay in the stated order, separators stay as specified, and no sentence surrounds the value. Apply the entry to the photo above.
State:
h=2 m=13
